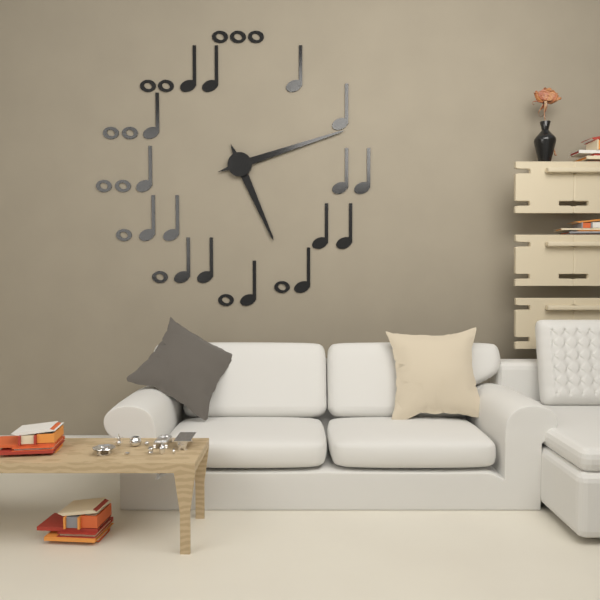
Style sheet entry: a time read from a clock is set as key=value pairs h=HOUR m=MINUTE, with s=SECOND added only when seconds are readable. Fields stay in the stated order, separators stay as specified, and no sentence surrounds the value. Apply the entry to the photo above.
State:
h=5 m=12
